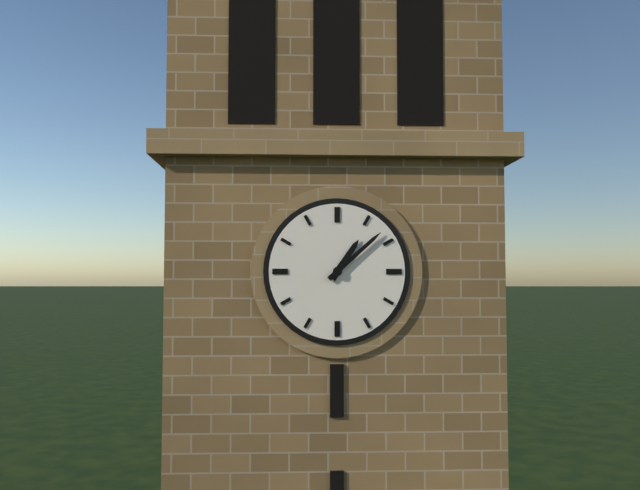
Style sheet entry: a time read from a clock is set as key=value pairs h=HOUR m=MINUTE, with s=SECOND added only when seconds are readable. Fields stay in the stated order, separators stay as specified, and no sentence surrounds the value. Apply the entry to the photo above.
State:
h=1 m=8
